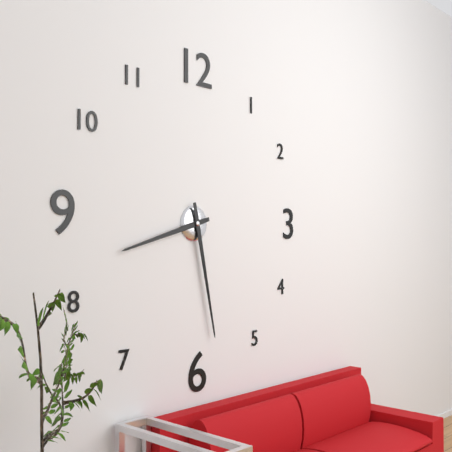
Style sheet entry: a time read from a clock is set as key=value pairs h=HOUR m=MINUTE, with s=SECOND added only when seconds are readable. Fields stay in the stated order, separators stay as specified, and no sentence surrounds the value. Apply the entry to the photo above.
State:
h=8 m=28
